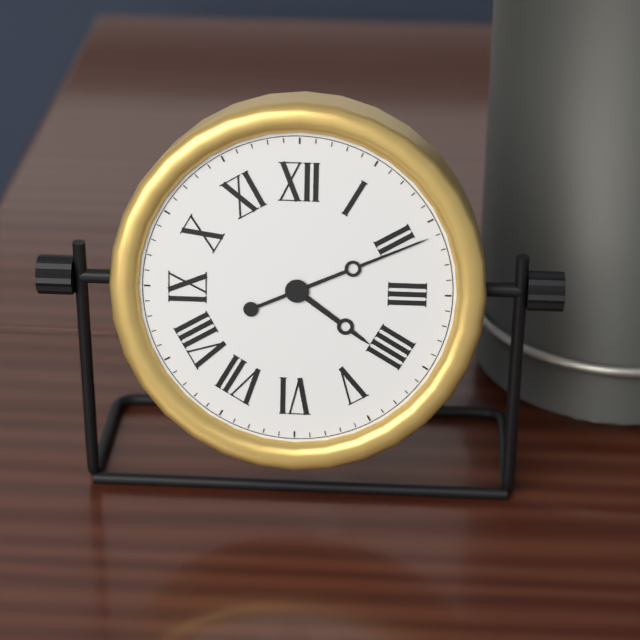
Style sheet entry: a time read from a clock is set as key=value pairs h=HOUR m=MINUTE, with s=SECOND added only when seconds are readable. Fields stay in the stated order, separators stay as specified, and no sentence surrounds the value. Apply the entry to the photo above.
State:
h=4 m=11
